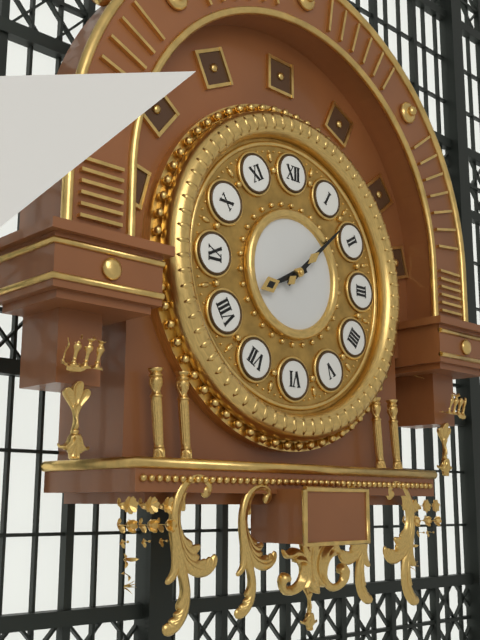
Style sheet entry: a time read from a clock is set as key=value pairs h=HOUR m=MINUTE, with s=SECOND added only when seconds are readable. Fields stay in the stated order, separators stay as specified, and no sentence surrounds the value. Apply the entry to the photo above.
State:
h=8 m=8
